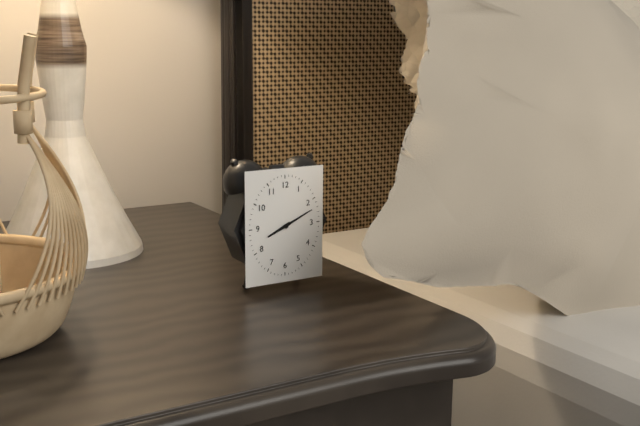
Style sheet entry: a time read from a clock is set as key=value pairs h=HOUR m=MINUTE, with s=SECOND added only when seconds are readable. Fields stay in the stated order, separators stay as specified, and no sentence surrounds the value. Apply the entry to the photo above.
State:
h=8 m=11
